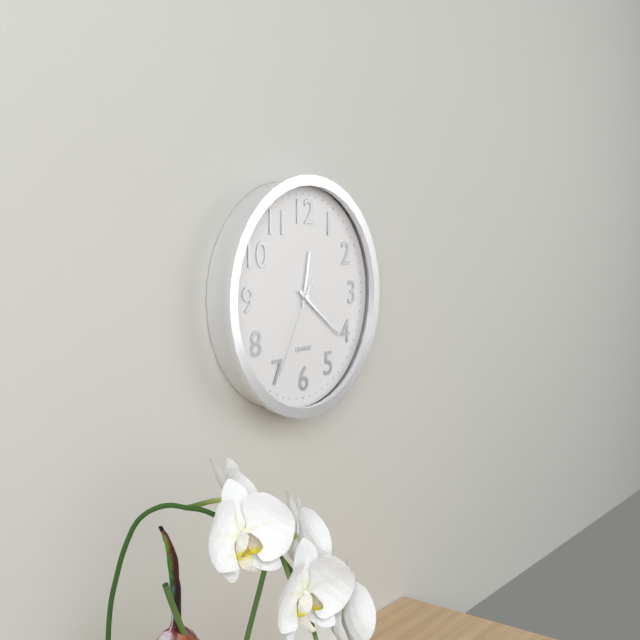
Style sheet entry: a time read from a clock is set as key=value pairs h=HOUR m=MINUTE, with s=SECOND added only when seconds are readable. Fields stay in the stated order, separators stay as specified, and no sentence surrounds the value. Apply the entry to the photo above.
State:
h=12 m=21 s=35
